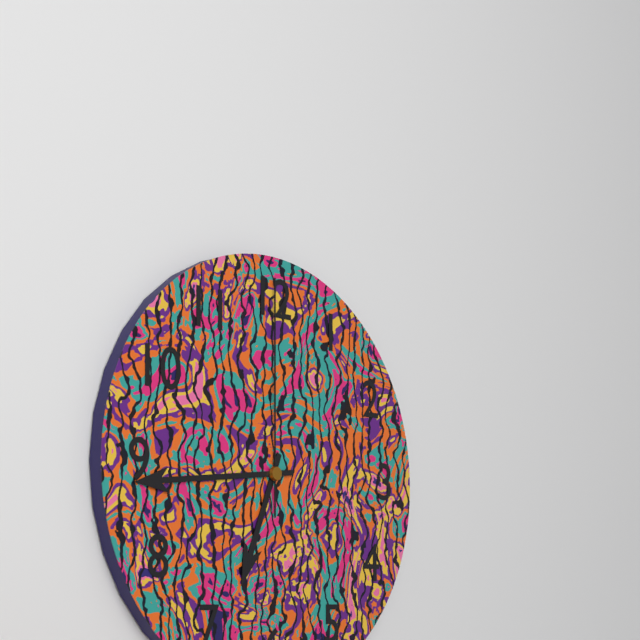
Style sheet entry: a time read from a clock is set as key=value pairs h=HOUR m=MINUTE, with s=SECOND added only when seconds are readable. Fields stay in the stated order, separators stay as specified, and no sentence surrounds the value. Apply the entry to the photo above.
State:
h=6 m=44 s=0
